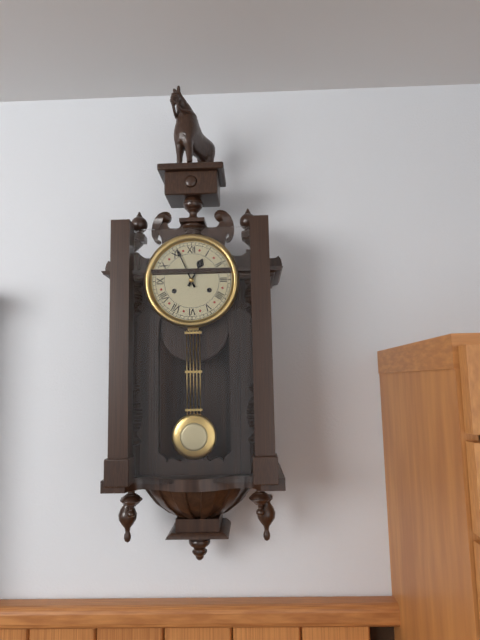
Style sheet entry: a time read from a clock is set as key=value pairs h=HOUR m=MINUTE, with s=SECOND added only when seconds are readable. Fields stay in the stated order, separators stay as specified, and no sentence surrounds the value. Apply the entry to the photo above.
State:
h=12 m=56
